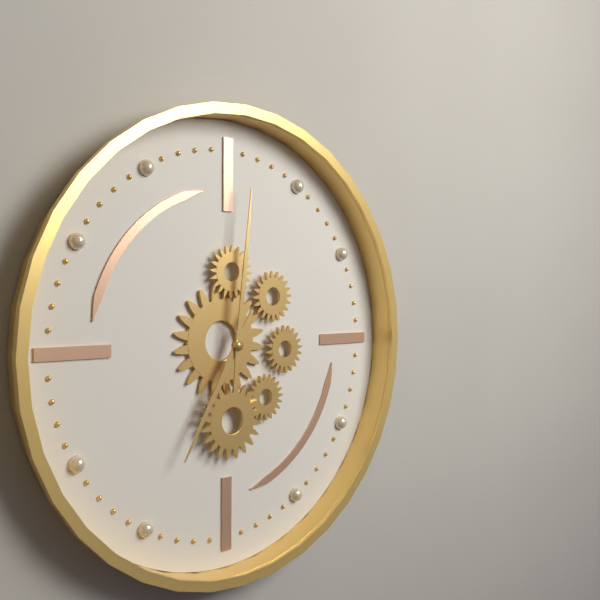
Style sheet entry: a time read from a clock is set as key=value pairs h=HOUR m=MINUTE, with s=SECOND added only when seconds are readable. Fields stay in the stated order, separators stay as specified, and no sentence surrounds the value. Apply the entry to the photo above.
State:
h=7 m=1
